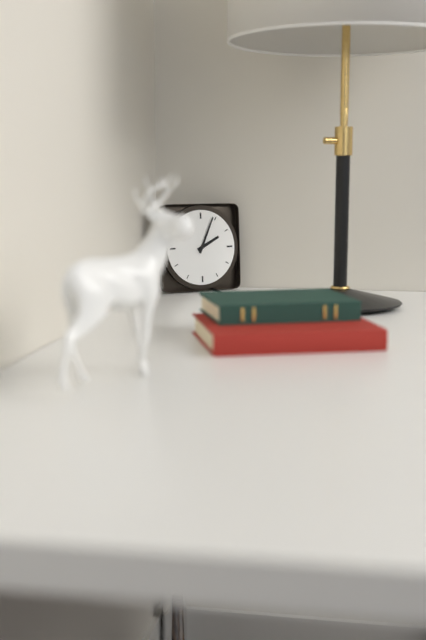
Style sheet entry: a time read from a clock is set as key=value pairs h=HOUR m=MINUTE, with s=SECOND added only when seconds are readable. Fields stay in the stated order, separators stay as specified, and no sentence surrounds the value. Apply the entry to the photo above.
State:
h=2 m=4
